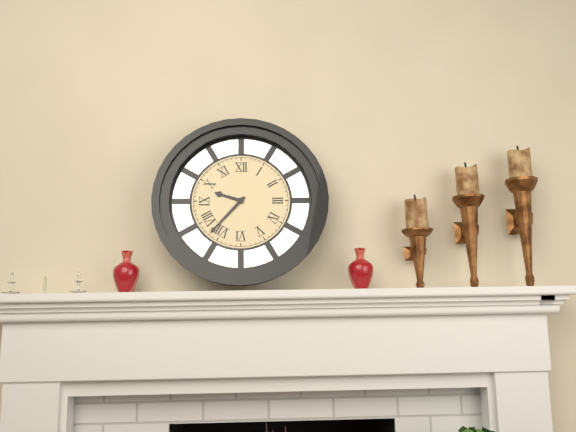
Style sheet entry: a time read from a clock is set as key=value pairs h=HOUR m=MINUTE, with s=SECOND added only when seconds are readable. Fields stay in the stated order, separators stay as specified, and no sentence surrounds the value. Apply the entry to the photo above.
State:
h=9 m=37
